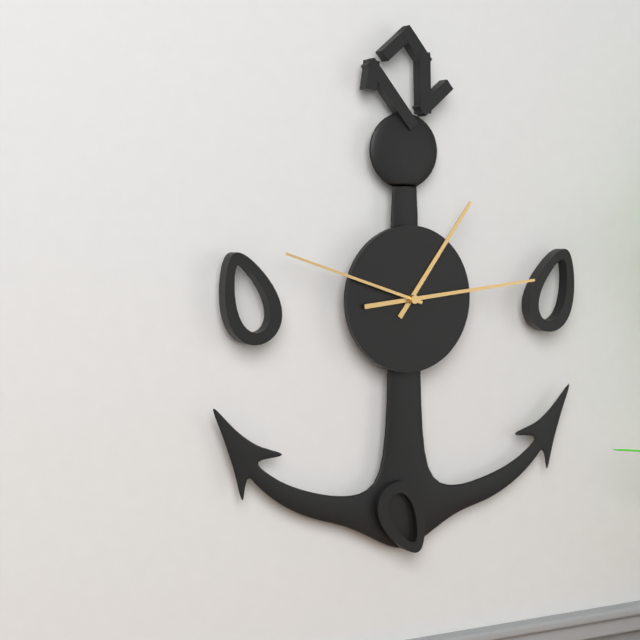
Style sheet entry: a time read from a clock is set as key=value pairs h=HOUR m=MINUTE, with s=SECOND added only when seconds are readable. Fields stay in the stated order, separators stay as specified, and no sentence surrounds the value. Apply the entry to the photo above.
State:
h=1 m=14 s=48
